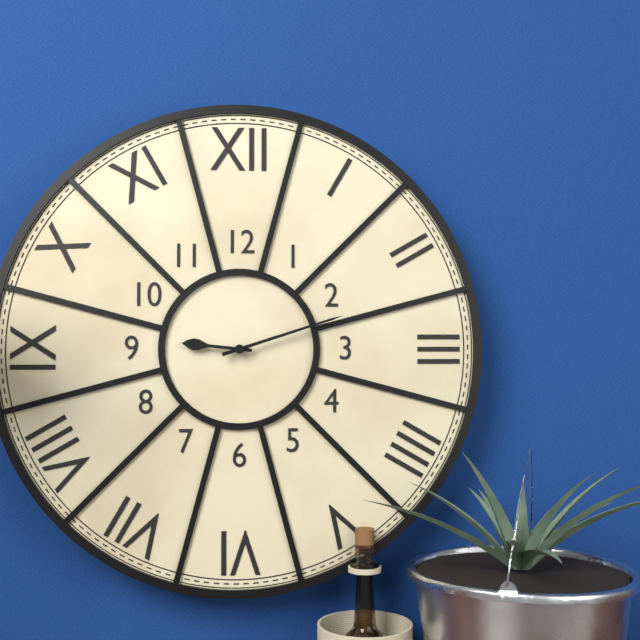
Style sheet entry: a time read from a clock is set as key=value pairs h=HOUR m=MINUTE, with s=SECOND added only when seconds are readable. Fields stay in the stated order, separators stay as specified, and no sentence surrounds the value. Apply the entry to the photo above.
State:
h=9 m=12
